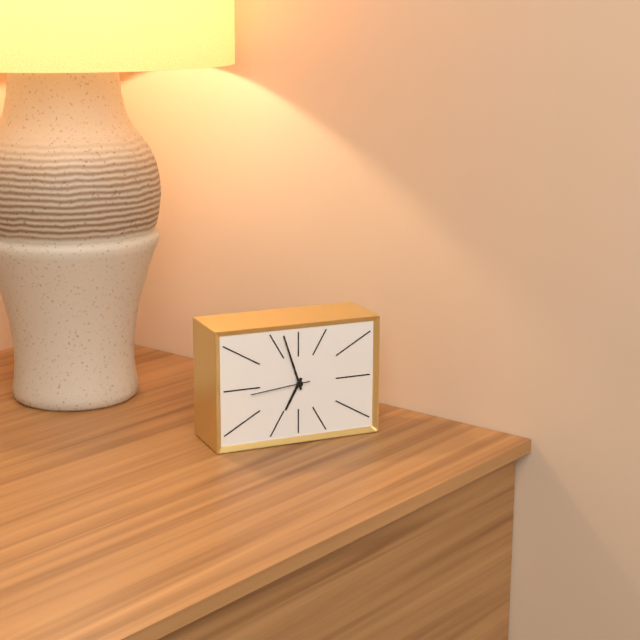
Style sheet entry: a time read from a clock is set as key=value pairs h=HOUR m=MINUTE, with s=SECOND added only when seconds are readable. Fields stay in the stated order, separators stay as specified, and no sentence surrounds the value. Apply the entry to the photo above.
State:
h=6 m=57 s=44
